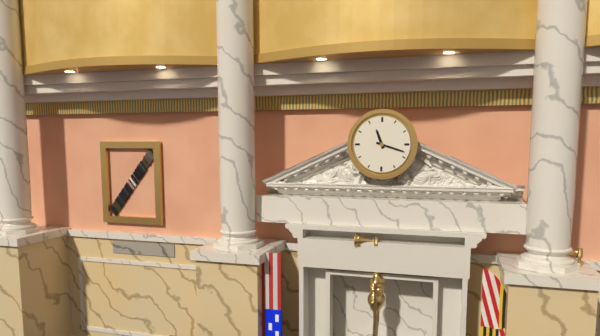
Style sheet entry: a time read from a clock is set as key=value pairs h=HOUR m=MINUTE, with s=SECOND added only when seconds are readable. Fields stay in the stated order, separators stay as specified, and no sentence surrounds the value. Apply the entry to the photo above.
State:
h=11 m=18
